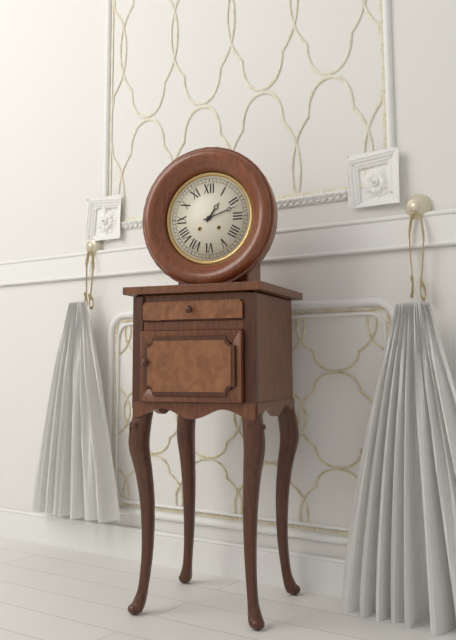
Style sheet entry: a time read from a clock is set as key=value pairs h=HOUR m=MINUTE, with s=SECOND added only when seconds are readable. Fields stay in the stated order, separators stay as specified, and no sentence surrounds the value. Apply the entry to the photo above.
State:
h=1 m=12
